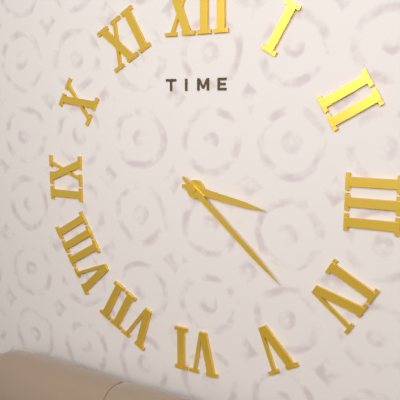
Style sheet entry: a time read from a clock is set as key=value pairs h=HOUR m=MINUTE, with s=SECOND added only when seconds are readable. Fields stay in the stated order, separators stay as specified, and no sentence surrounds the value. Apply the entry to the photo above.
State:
h=3 m=22
